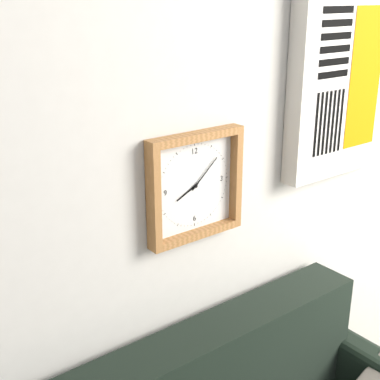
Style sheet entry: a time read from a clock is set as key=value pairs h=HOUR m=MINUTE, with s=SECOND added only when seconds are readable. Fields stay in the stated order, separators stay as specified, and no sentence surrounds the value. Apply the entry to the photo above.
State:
h=8 m=8
